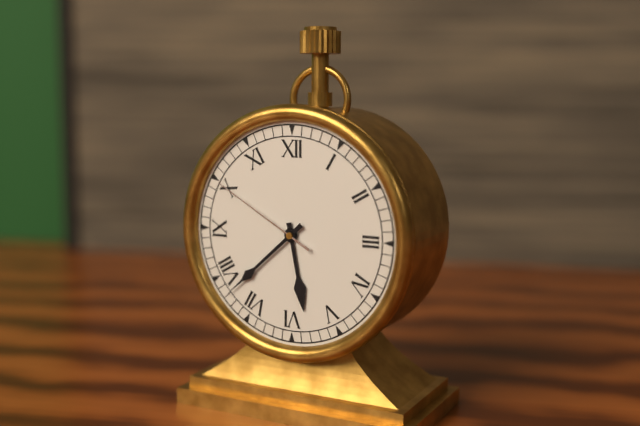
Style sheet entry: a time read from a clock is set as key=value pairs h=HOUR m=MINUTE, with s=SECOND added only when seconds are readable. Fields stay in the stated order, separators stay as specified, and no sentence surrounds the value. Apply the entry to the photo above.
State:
h=5 m=38 s=50
